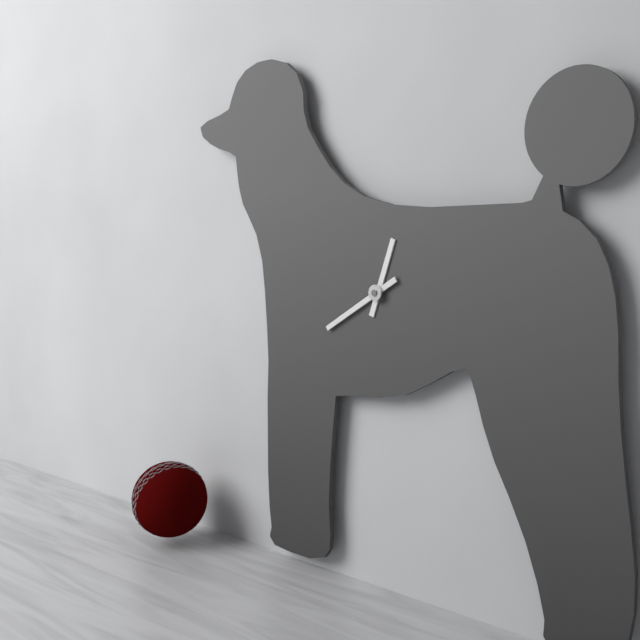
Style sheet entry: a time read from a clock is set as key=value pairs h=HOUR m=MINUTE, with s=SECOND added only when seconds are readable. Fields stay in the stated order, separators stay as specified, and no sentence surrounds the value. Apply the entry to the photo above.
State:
h=12 m=40
